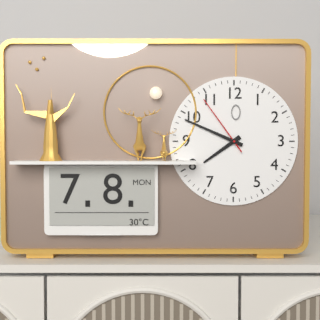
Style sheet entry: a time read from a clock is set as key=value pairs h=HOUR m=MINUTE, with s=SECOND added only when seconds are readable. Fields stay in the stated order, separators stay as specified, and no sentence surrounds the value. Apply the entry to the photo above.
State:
h=7 m=49 s=54
